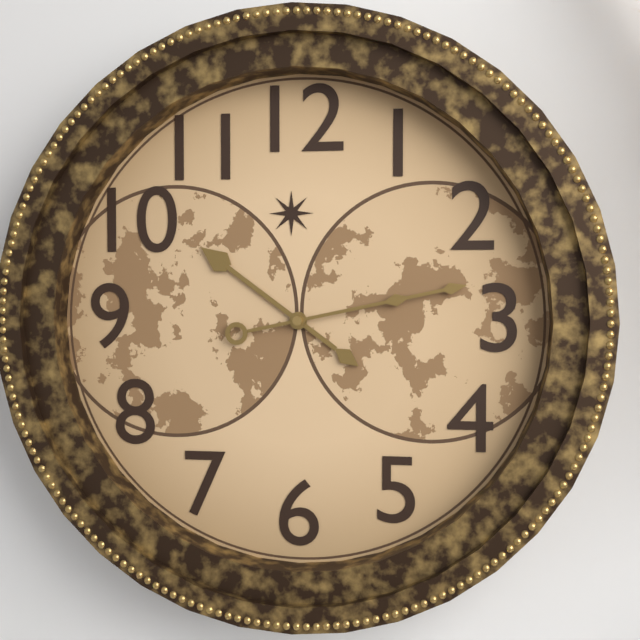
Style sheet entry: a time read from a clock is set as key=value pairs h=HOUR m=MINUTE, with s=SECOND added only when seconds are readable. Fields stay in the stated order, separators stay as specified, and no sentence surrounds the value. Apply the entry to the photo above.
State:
h=10 m=13
